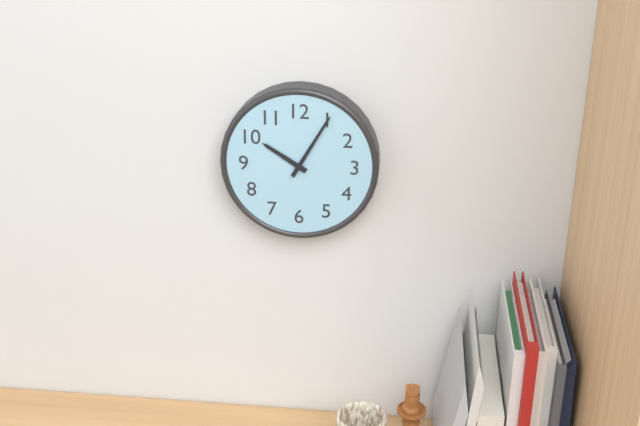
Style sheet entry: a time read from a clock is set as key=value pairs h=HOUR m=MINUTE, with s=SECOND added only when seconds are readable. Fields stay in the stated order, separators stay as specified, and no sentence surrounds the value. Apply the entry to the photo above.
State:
h=10 m=5
